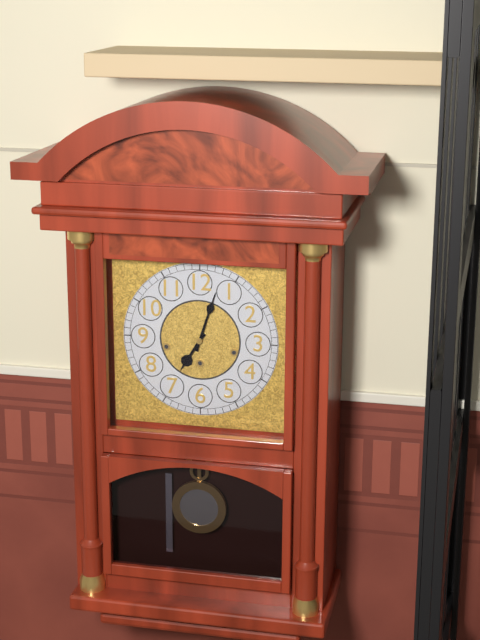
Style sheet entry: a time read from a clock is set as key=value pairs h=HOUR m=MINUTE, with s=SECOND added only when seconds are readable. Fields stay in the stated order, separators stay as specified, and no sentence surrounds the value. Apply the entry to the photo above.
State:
h=7 m=3
